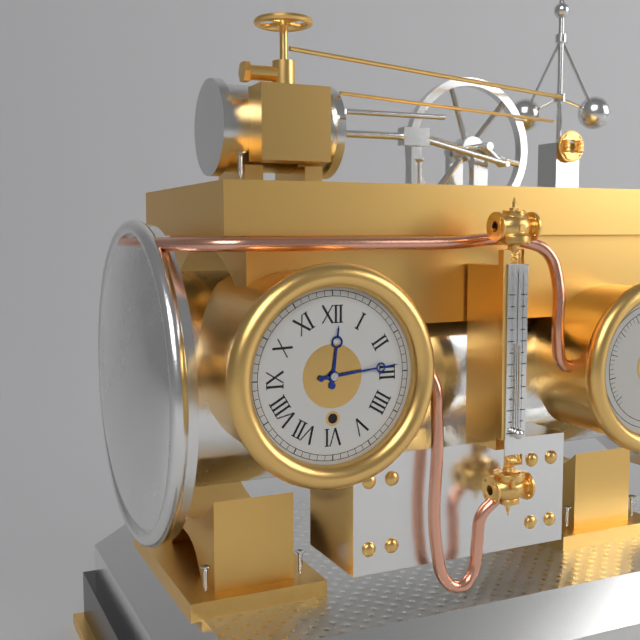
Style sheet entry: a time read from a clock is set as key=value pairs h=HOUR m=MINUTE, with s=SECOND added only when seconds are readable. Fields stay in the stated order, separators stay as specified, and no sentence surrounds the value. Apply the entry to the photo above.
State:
h=12 m=14
